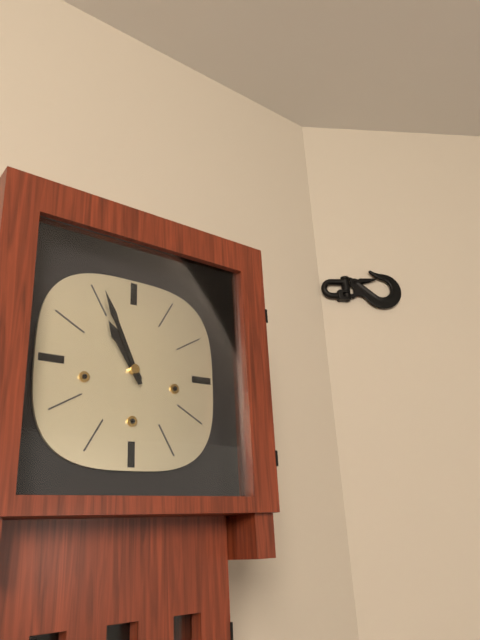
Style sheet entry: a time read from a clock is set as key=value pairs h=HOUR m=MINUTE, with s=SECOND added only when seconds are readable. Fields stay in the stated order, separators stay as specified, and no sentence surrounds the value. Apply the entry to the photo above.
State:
h=10 m=56
